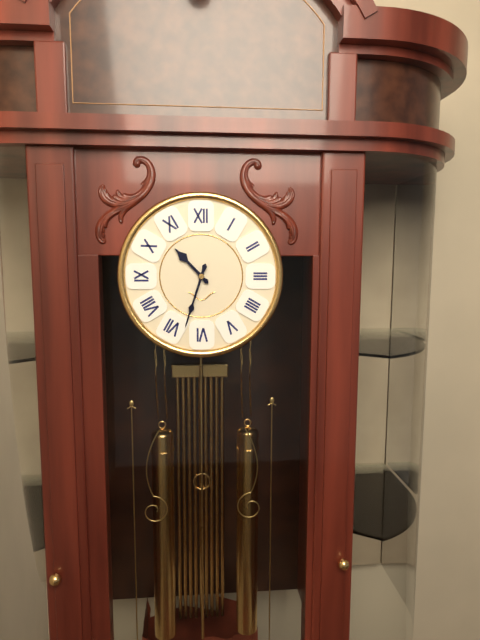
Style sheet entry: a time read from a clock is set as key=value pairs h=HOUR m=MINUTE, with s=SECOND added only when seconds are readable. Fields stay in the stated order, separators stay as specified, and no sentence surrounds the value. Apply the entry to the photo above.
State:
h=10 m=33
